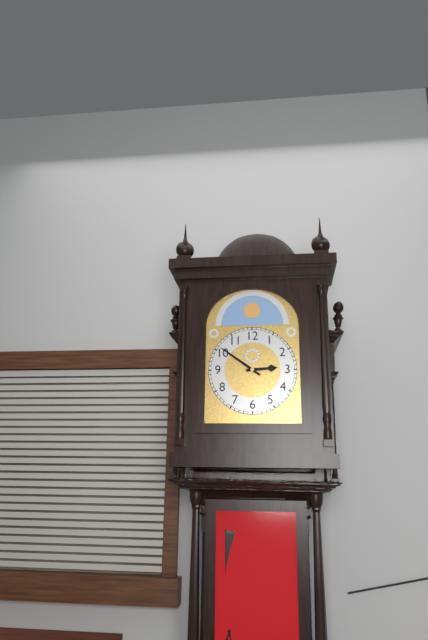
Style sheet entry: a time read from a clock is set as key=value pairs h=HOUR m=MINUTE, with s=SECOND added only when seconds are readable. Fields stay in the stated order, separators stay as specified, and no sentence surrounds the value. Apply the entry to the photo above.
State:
h=2 m=51
